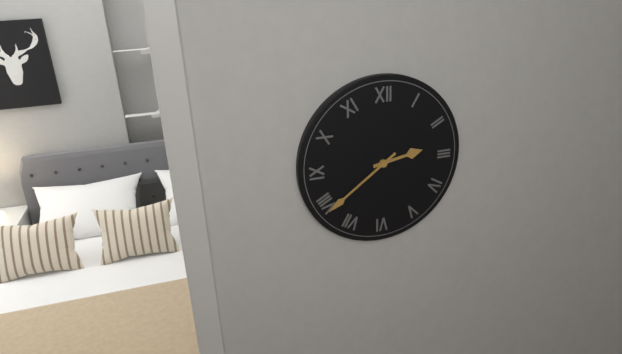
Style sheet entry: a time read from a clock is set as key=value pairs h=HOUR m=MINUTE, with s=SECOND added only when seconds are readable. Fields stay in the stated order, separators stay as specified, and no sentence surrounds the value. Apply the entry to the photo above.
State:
h=2 m=39
